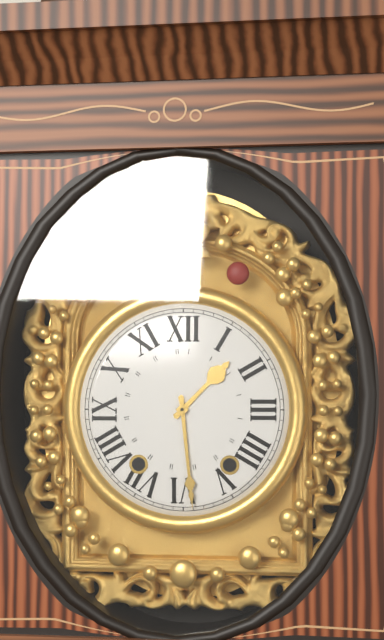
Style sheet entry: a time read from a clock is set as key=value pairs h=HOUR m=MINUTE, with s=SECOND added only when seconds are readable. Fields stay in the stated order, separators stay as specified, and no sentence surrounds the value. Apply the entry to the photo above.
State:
h=1 m=29
